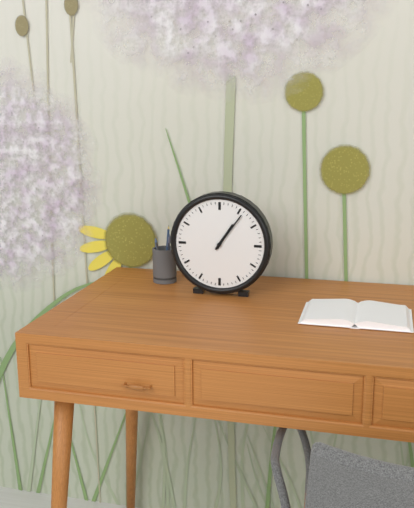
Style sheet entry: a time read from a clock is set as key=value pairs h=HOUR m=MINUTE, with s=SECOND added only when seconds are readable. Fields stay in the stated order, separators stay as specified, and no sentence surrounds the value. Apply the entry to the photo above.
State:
h=1 m=6
